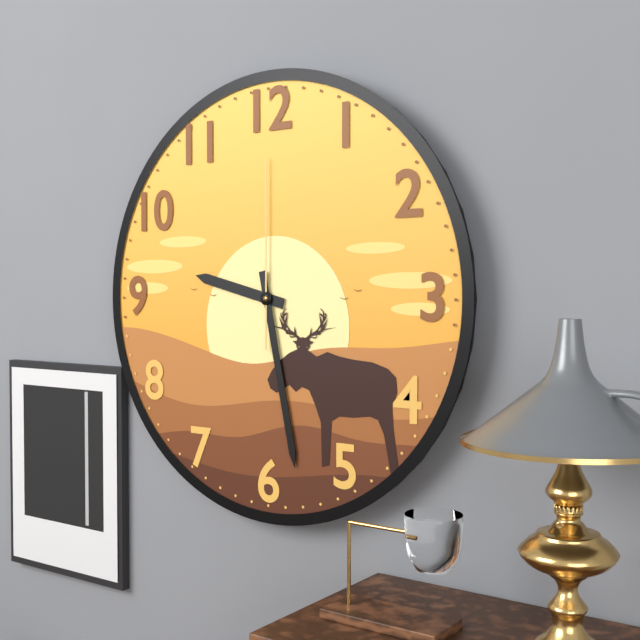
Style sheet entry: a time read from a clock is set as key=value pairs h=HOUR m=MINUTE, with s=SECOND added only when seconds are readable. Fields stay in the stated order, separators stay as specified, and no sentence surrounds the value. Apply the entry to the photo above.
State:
h=9 m=28 s=0
